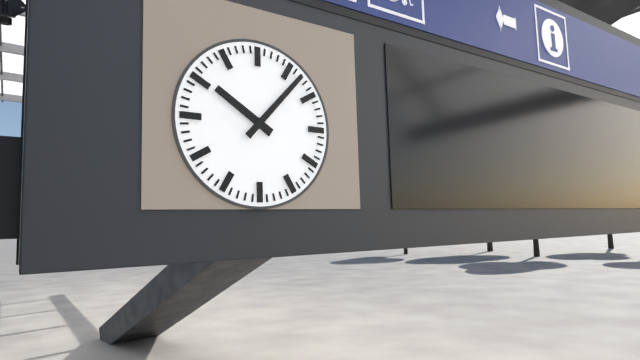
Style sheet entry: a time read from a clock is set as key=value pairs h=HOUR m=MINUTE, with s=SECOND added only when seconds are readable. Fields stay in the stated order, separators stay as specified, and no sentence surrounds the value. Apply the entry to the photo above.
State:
h=10 m=7
